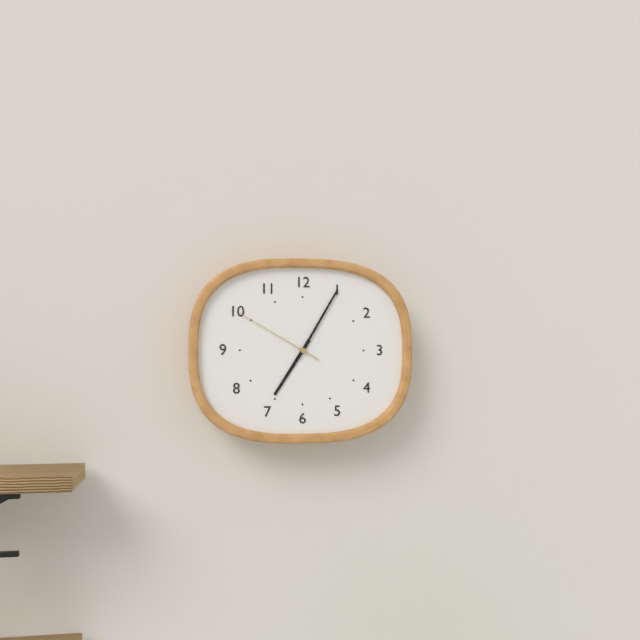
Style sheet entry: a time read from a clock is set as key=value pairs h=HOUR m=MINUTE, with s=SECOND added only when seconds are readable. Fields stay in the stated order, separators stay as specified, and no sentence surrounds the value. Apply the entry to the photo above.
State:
h=7 m=5 s=50
